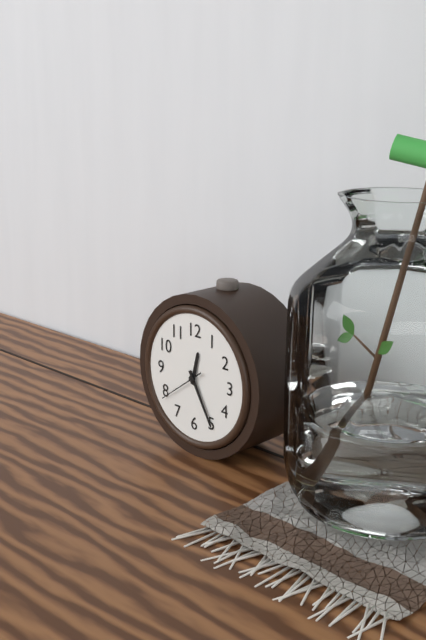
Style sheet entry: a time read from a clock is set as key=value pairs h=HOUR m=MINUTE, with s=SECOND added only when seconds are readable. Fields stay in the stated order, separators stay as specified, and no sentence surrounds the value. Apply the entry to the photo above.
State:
h=12 m=25
